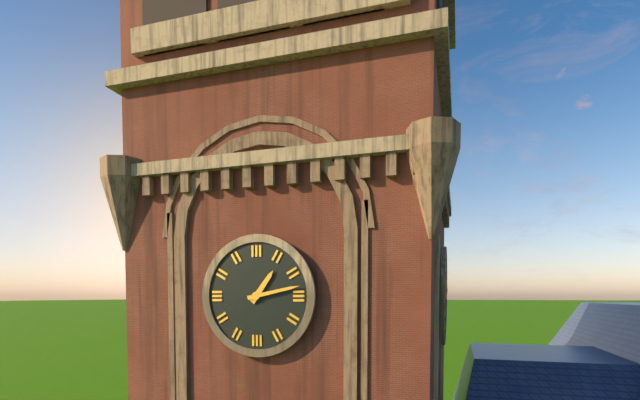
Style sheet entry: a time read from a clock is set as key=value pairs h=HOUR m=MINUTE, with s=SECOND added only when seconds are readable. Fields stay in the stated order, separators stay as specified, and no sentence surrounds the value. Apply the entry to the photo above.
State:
h=1 m=13
